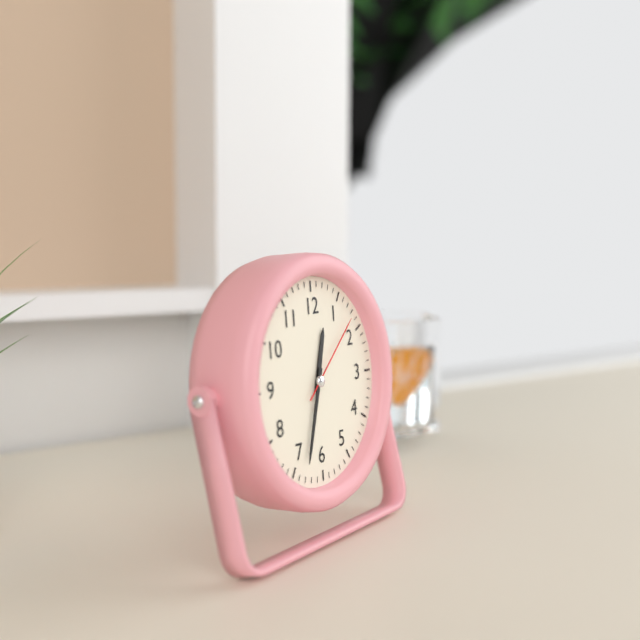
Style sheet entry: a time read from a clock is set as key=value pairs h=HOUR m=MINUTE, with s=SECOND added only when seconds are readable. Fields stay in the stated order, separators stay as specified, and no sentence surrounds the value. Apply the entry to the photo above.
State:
h=12 m=33 s=8
